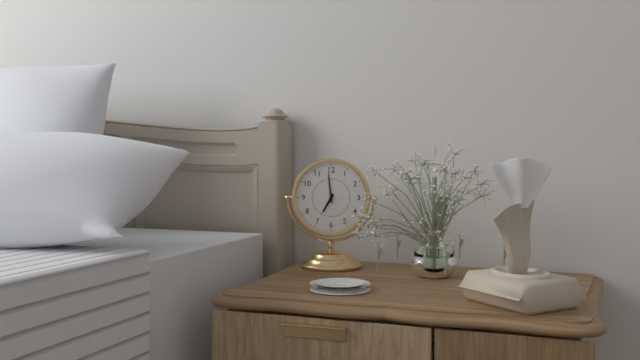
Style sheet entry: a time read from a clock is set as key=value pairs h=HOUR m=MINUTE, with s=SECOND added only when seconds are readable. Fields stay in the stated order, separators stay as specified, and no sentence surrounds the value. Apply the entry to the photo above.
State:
h=6 m=59
